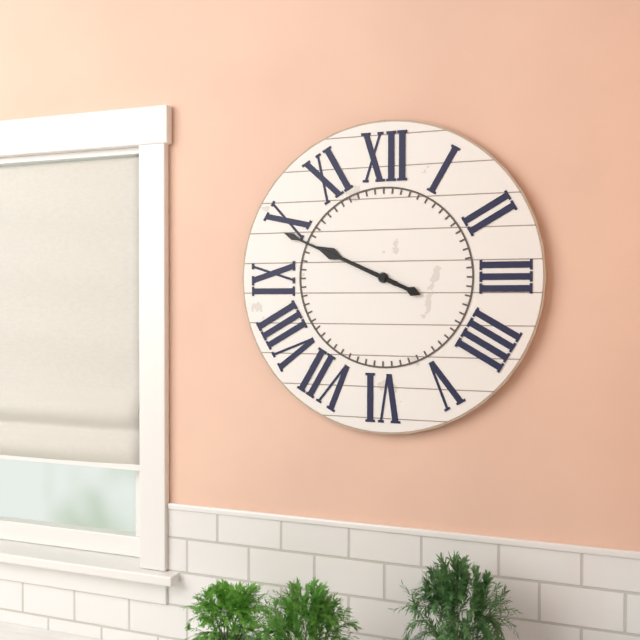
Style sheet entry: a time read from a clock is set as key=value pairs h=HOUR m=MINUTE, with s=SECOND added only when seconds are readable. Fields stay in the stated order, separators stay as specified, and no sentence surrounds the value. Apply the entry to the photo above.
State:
h=9 m=49
